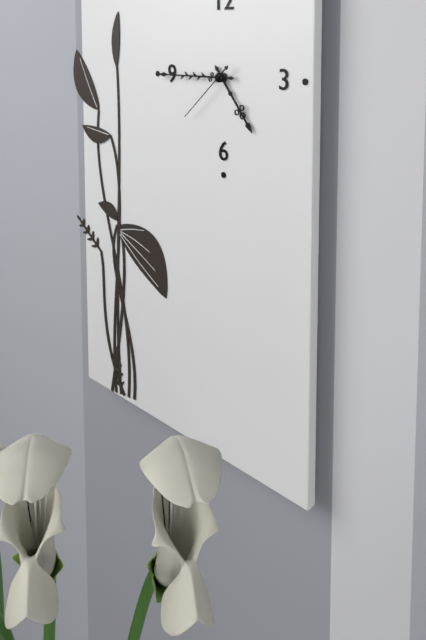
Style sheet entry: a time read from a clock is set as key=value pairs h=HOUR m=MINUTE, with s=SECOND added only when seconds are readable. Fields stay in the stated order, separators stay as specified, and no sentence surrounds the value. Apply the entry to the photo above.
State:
h=4 m=45 s=38
